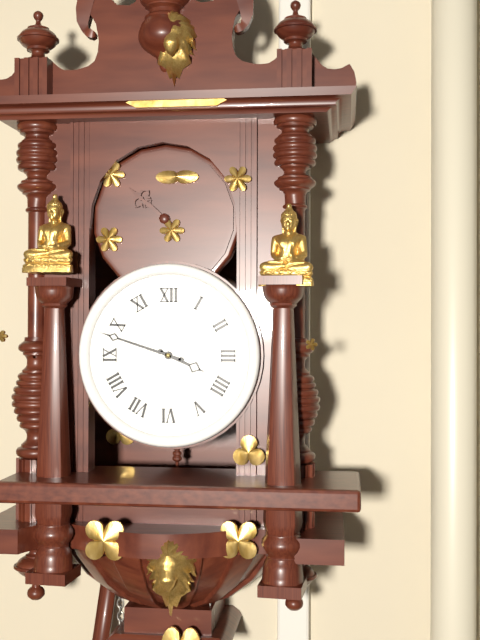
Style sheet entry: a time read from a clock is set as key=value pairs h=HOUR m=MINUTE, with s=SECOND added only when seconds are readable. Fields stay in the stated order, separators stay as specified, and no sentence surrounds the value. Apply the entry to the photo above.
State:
h=3 m=48
